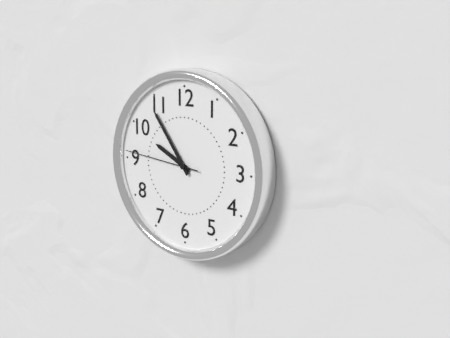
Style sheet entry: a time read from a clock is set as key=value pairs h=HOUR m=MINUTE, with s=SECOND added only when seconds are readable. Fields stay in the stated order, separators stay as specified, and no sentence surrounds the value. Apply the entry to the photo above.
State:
h=9 m=54 s=46
